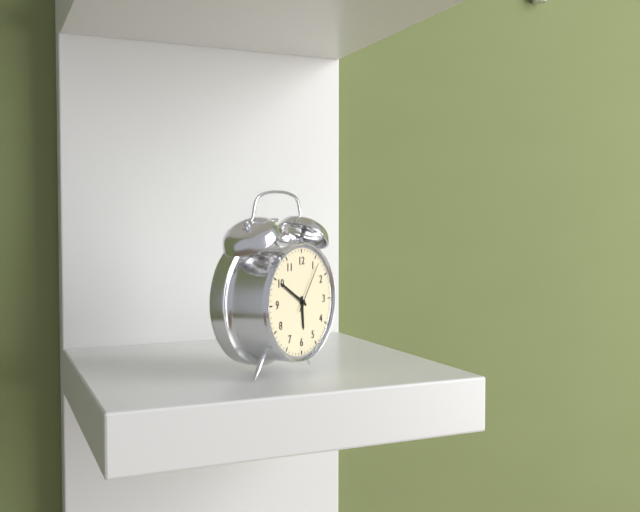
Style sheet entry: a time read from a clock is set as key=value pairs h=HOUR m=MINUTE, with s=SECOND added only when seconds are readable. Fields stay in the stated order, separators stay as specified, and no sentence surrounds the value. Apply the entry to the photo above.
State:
h=5 m=50 s=6
